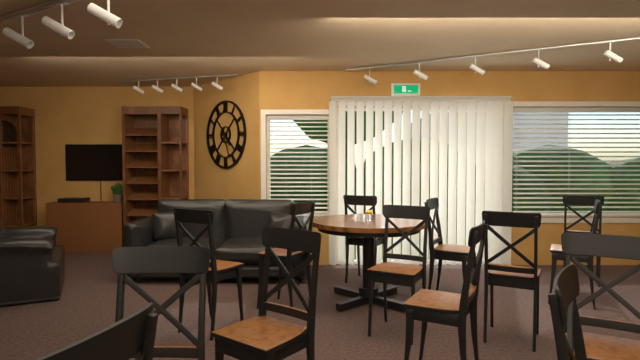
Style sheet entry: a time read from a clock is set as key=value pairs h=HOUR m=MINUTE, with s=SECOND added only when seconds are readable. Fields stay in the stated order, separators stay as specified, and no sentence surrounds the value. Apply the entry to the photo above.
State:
h=4 m=26
